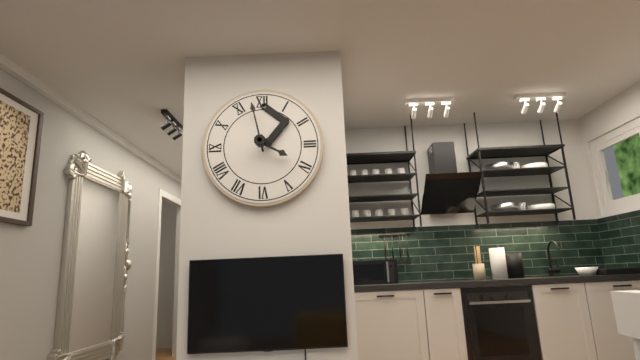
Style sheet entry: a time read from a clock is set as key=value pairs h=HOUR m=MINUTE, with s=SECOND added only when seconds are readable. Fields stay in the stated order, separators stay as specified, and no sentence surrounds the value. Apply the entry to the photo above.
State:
h=3 m=58
